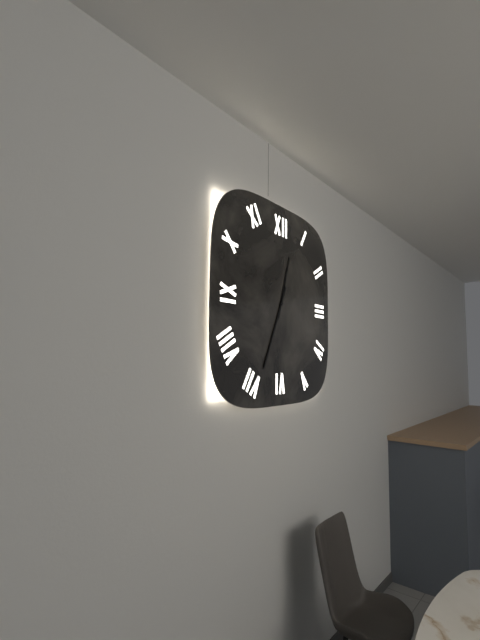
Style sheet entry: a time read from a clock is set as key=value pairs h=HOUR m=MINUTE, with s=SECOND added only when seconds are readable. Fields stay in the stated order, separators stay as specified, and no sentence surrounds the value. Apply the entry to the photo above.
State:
h=12 m=34
